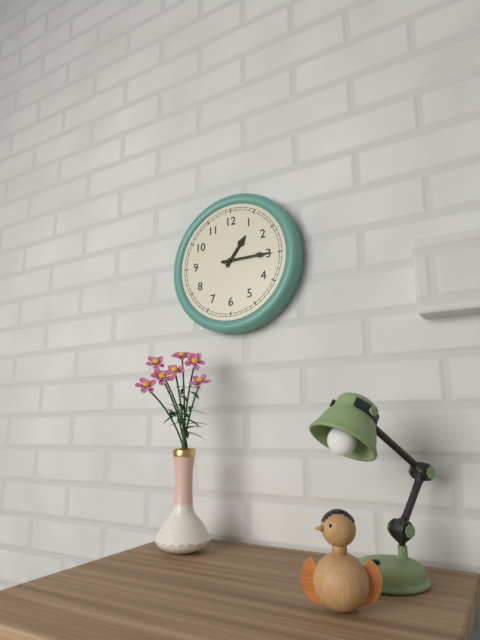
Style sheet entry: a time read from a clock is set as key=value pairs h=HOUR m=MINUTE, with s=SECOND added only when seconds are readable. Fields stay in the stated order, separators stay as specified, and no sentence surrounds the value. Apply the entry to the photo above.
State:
h=1 m=15
